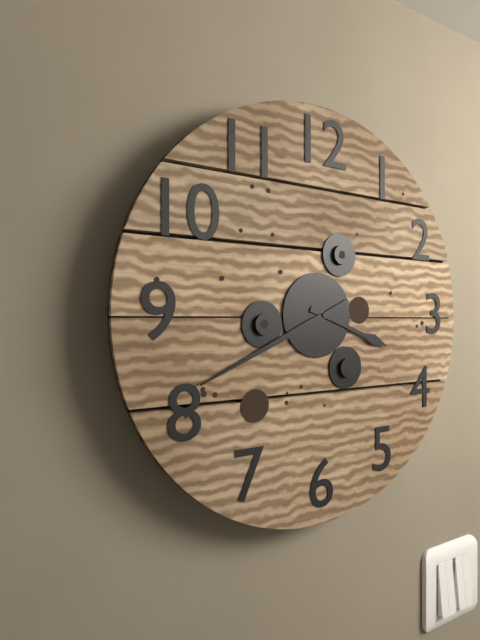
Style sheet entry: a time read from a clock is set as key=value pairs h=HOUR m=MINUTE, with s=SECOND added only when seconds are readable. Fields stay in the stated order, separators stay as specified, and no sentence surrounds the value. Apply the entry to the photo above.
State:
h=3 m=41
